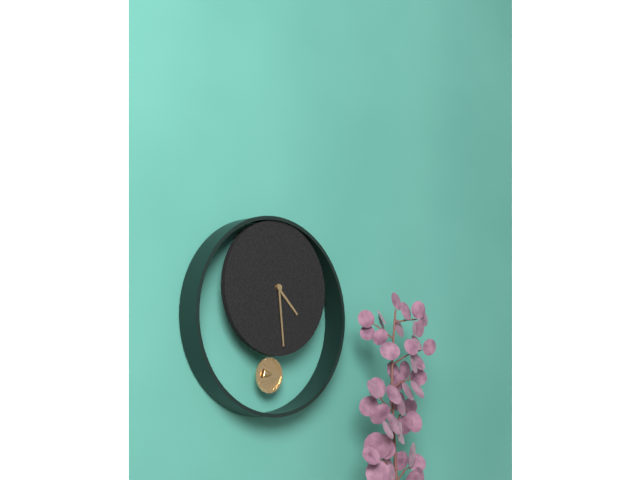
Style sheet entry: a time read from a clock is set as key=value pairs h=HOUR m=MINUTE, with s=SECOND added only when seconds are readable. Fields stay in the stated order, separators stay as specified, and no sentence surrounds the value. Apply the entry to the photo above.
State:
h=4 m=29
